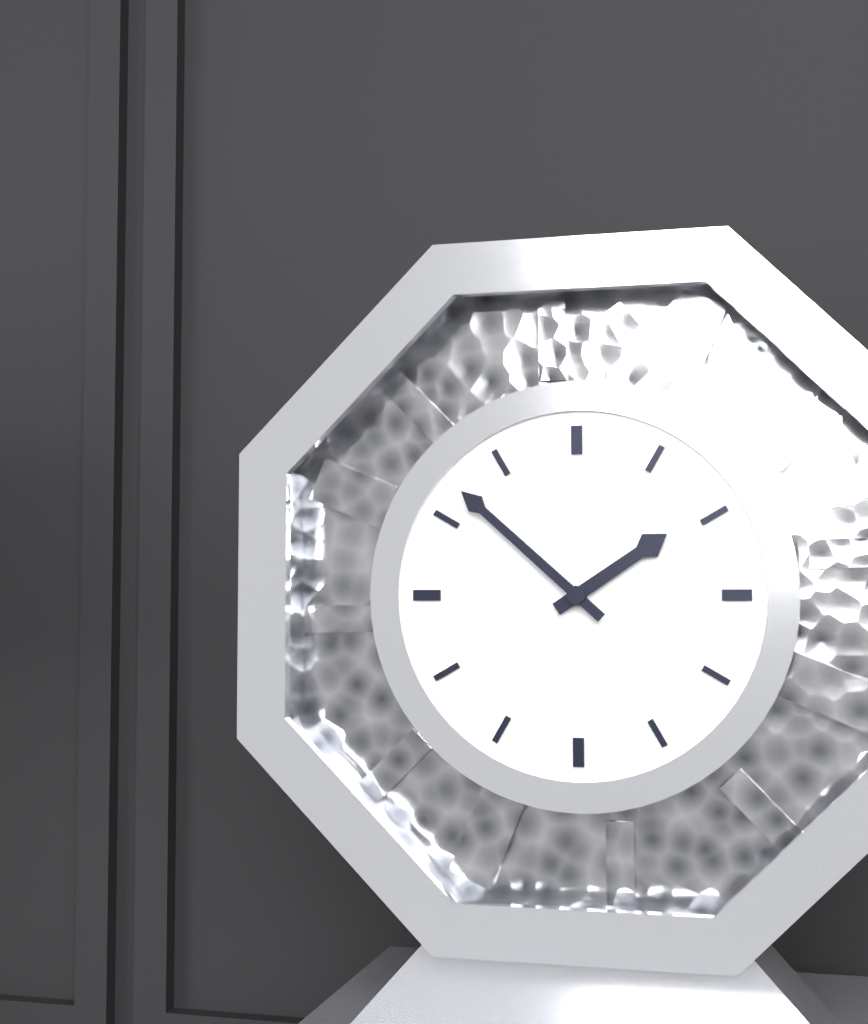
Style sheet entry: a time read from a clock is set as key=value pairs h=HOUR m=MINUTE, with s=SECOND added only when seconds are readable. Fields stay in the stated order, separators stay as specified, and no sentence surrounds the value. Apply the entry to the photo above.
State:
h=1 m=52
